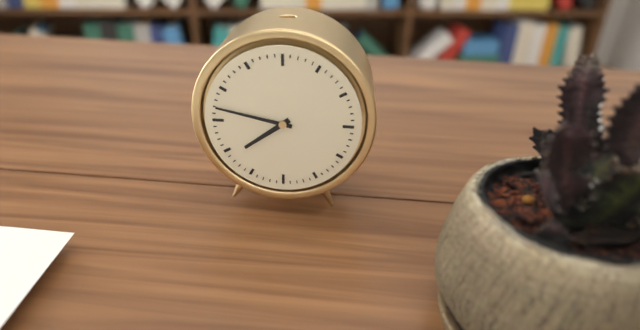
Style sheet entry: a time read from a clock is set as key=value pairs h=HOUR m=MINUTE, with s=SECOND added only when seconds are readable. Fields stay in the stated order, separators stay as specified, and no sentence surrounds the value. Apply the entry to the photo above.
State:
h=7 m=47
